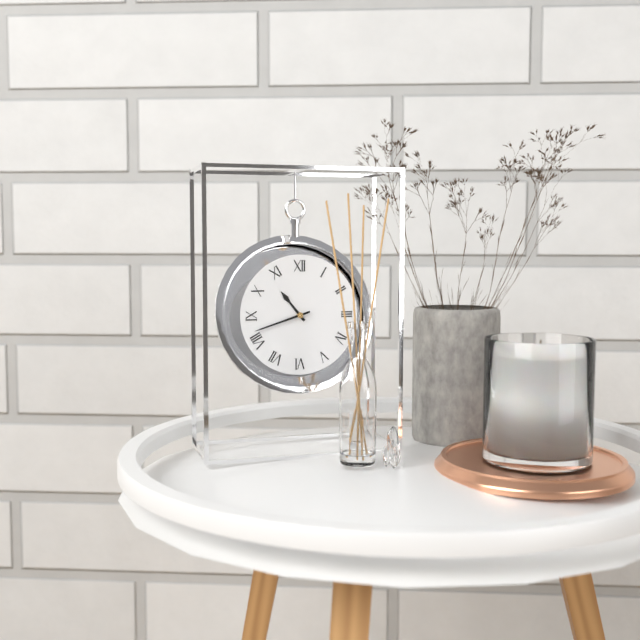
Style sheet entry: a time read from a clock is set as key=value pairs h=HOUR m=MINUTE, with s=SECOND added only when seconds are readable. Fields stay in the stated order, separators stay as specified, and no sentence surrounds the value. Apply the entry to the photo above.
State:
h=10 m=42
